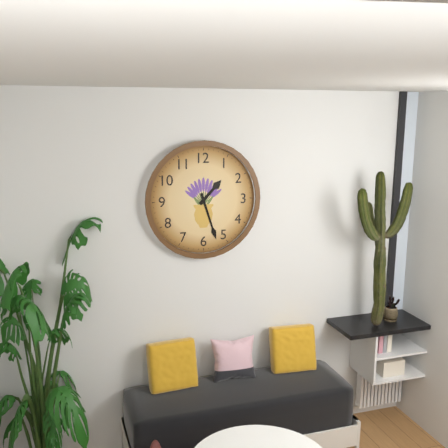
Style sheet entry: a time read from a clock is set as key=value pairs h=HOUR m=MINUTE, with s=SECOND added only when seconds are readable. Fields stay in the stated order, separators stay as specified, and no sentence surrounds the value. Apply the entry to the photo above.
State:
h=1 m=27
